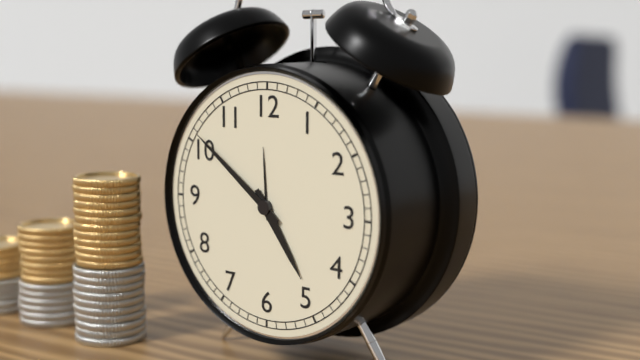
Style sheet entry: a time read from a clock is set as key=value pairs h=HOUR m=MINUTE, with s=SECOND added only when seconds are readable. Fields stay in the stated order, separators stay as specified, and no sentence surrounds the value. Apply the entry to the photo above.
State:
h=4 m=51
